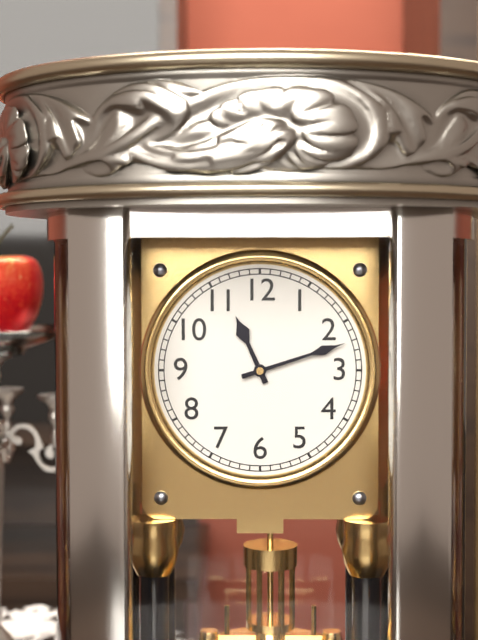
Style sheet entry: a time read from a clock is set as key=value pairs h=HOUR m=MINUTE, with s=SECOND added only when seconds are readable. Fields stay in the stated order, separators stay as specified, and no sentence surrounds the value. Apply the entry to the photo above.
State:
h=11 m=12
